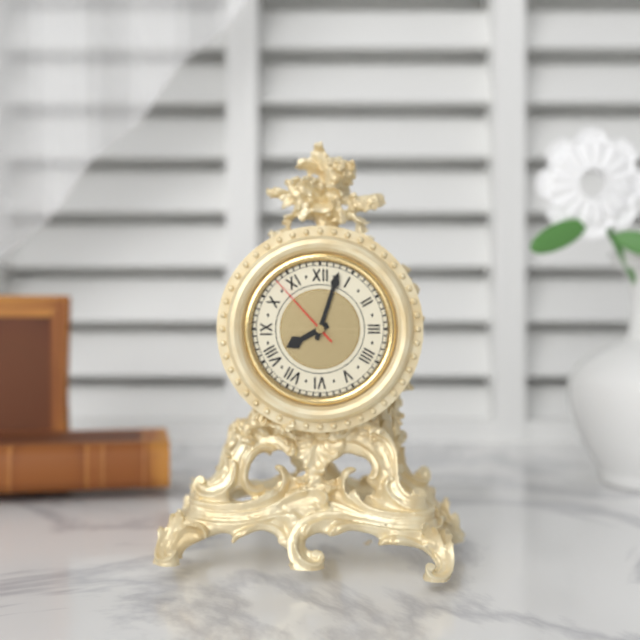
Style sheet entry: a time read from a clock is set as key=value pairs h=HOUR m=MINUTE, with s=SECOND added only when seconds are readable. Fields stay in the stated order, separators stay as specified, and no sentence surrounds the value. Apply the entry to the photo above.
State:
h=8 m=3 s=53
